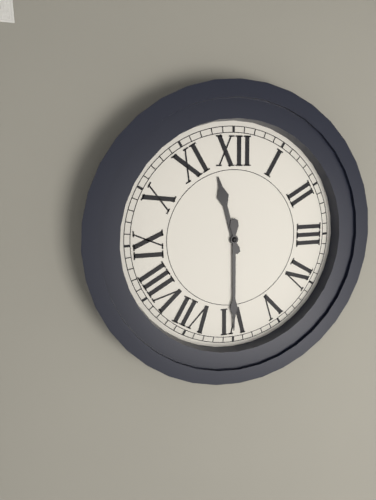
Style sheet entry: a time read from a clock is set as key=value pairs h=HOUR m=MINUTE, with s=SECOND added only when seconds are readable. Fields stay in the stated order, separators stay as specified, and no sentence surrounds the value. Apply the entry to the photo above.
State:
h=11 m=30
